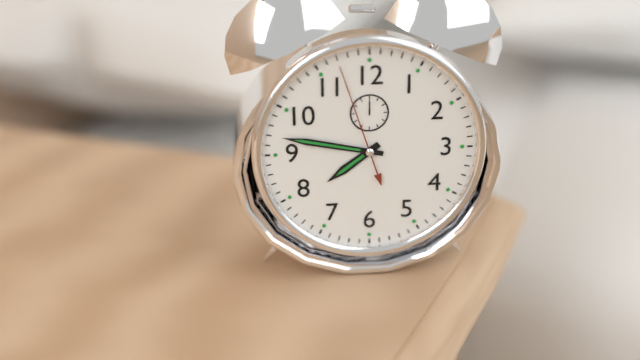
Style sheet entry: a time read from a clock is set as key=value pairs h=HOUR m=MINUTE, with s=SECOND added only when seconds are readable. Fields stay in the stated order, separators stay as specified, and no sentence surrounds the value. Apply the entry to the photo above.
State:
h=7 m=47 s=57
